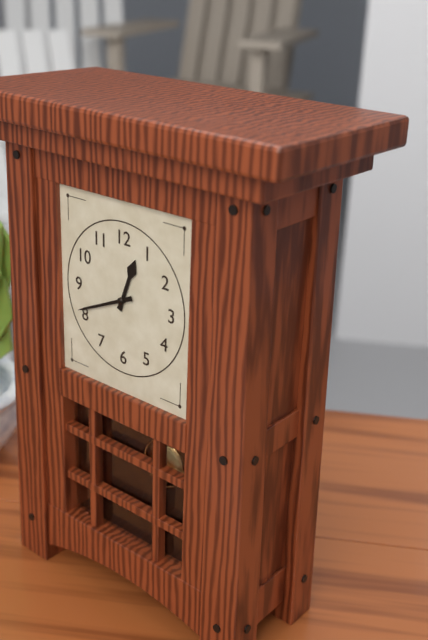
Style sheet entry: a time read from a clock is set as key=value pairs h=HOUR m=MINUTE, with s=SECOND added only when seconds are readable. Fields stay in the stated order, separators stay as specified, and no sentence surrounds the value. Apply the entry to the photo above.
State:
h=12 m=41
